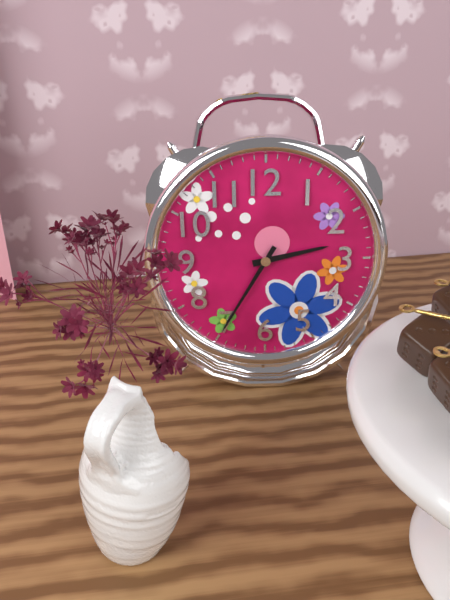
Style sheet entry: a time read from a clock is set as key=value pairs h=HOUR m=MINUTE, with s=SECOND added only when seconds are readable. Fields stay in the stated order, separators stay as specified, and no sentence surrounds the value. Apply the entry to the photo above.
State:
h=2 m=35
